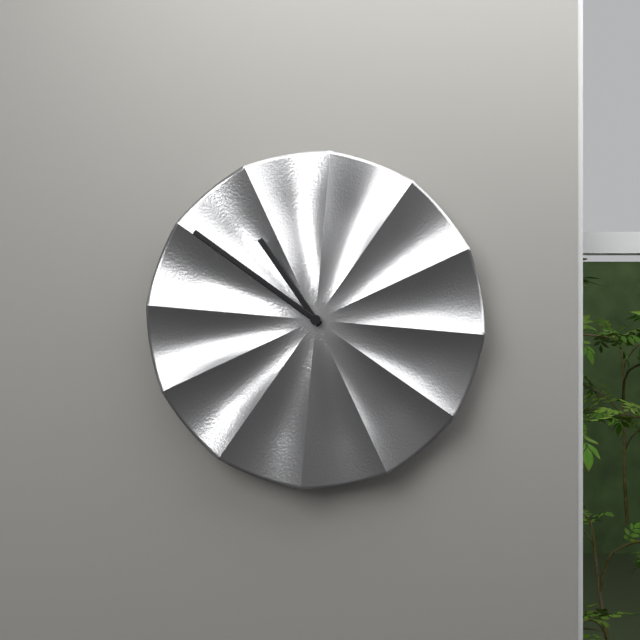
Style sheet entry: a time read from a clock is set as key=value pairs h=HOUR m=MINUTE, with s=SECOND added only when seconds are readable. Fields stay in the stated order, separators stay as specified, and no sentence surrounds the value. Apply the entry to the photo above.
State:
h=10 m=51
